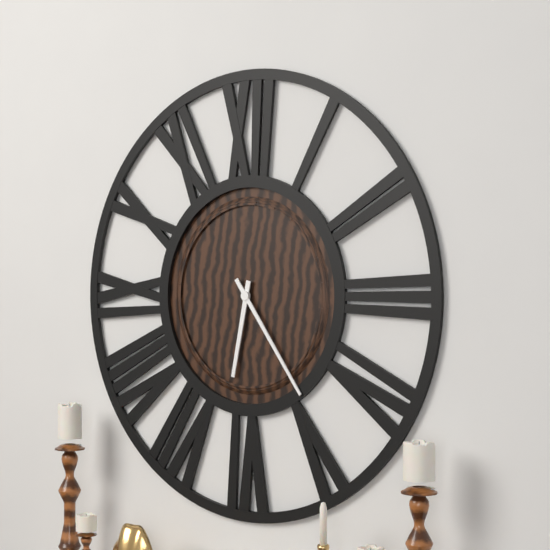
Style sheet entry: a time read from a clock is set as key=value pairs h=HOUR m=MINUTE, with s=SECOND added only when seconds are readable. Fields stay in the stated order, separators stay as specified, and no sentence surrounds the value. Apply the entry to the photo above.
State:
h=6 m=24
